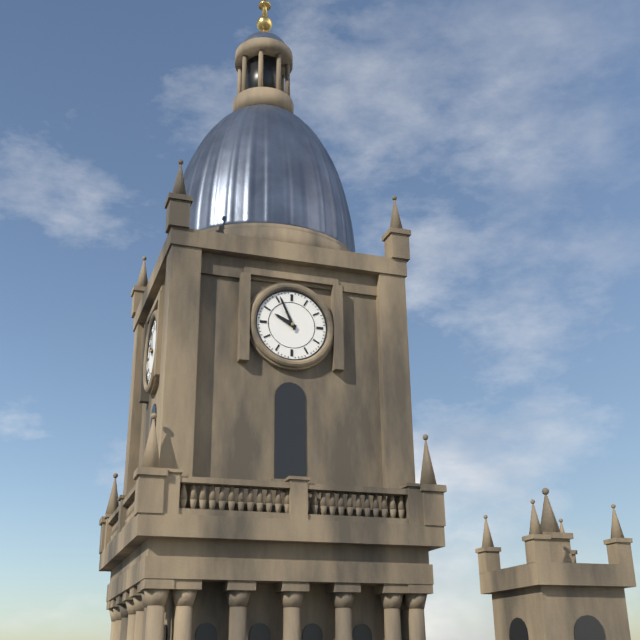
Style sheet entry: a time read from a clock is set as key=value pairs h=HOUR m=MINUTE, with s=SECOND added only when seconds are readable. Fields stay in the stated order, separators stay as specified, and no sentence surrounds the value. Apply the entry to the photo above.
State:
h=9 m=56
